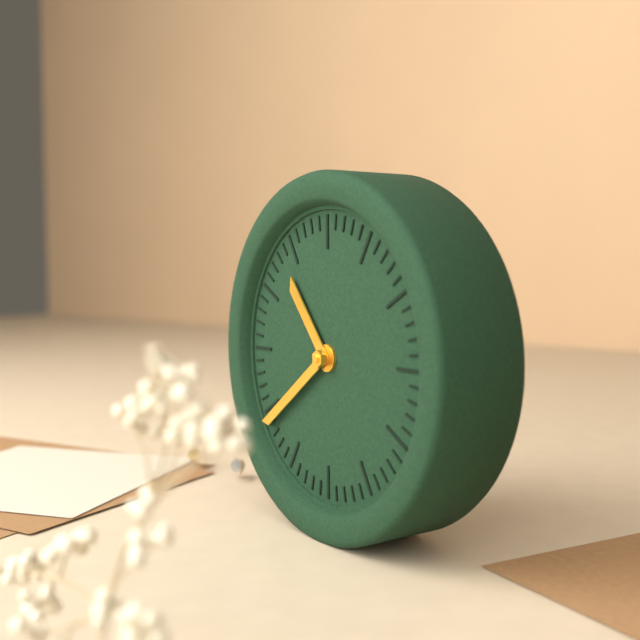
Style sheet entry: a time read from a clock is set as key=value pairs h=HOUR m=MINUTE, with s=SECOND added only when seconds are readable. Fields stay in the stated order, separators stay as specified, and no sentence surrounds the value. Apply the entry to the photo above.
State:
h=10 m=39
